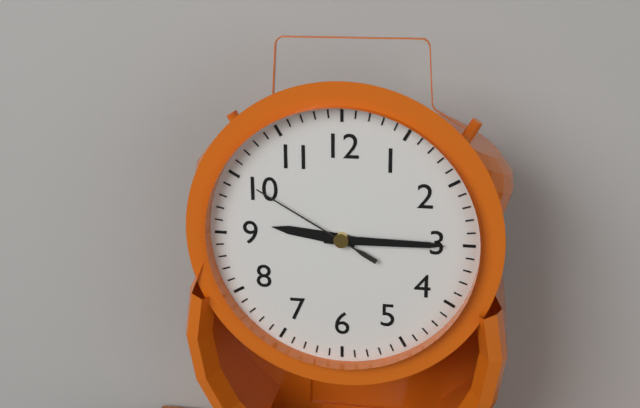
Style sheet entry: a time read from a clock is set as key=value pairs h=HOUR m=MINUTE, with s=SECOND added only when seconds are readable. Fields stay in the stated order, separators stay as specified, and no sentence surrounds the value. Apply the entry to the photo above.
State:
h=9 m=15 s=50
